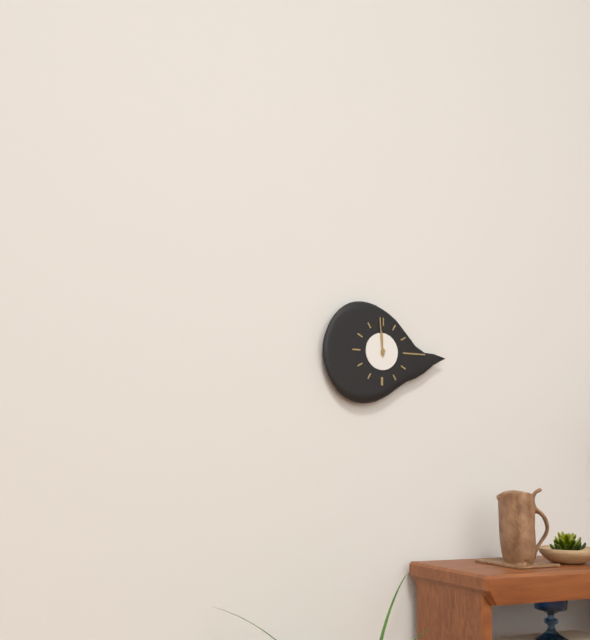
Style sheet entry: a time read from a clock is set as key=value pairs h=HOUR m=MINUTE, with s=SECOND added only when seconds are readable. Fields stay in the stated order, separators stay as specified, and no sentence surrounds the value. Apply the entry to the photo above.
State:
h=11 m=59
